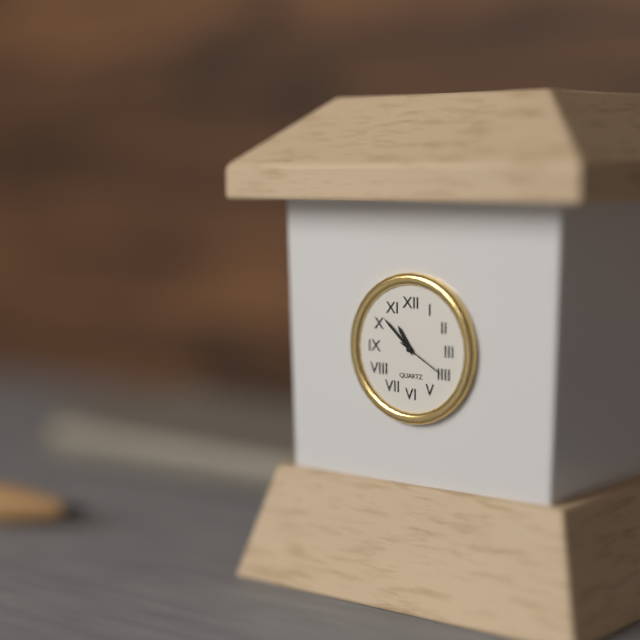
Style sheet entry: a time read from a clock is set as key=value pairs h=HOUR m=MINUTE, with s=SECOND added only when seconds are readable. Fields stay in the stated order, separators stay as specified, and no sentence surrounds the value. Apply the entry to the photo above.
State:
h=10 m=52 s=20
